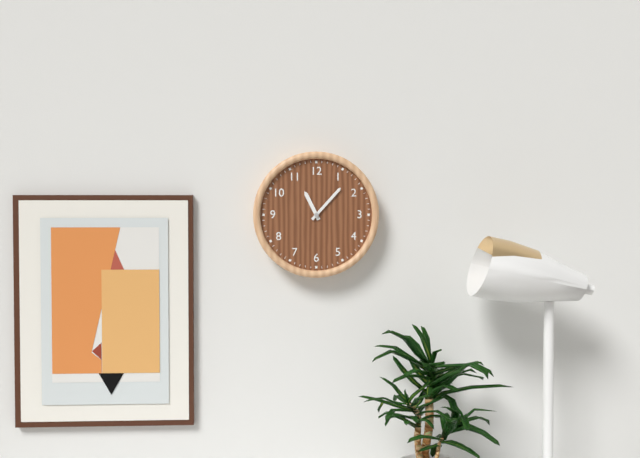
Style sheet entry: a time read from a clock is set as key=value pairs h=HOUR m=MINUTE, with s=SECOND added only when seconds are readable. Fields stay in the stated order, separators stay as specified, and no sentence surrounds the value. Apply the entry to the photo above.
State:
h=11 m=7
